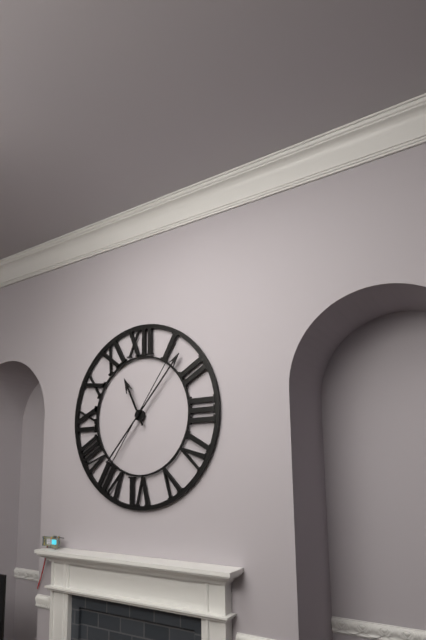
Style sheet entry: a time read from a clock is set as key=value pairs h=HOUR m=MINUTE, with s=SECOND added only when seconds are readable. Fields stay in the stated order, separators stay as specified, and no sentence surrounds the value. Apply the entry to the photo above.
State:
h=11 m=7 s=6
